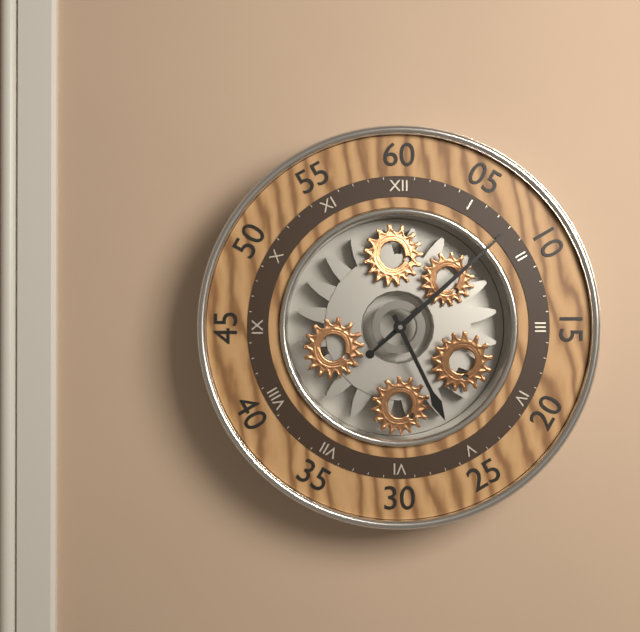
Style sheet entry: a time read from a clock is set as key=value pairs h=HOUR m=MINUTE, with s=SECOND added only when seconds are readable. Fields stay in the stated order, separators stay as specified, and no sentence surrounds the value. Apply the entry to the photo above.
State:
h=5 m=8
